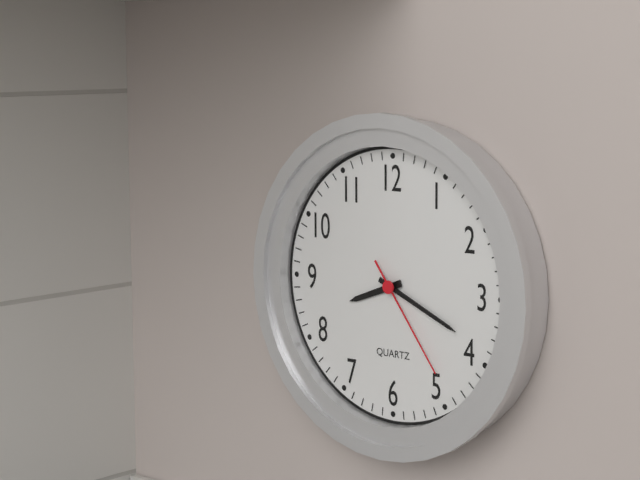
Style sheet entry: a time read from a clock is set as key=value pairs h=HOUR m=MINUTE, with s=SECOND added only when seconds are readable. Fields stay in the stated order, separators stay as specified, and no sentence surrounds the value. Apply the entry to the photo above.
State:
h=8 m=19 s=24
